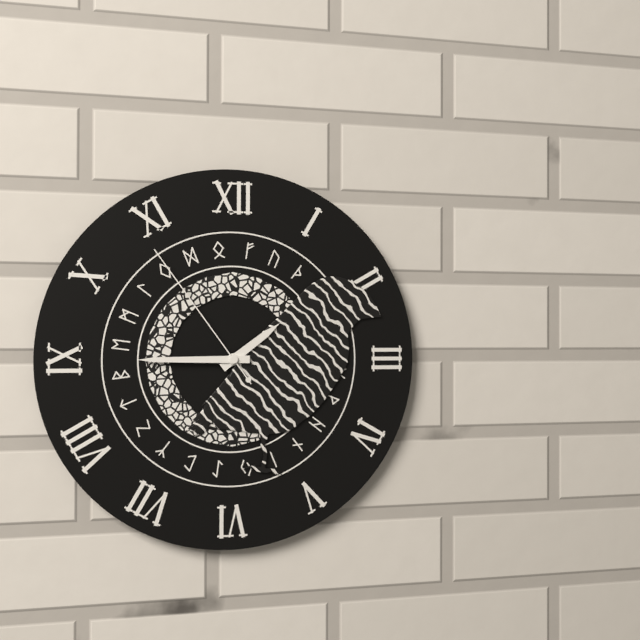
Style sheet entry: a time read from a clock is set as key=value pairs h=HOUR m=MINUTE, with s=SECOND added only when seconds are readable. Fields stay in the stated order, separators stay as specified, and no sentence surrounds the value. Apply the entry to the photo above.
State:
h=1 m=45 s=54
